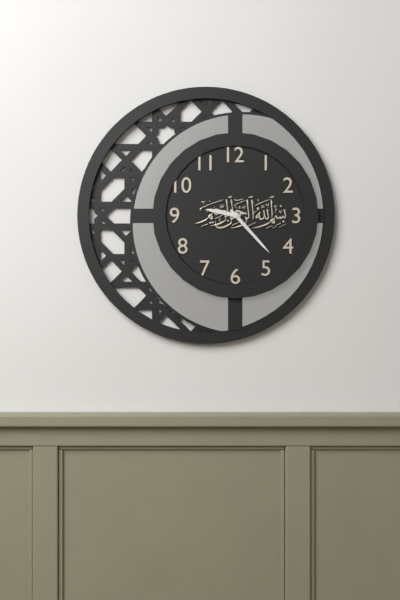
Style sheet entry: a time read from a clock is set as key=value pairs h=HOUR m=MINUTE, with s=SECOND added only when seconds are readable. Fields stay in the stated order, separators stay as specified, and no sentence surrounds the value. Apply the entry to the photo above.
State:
h=9 m=23
